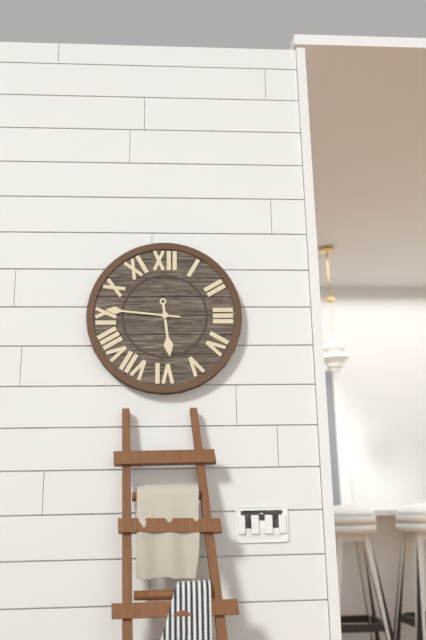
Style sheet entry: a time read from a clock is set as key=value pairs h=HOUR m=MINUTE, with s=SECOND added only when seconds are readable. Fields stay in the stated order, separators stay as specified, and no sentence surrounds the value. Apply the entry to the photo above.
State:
h=5 m=46
